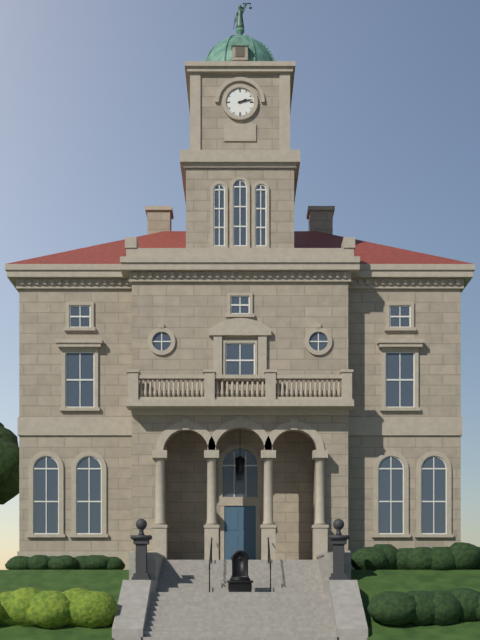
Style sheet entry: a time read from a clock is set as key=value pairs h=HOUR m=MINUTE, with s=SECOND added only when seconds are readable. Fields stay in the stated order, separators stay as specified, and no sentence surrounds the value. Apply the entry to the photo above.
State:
h=2 m=13
